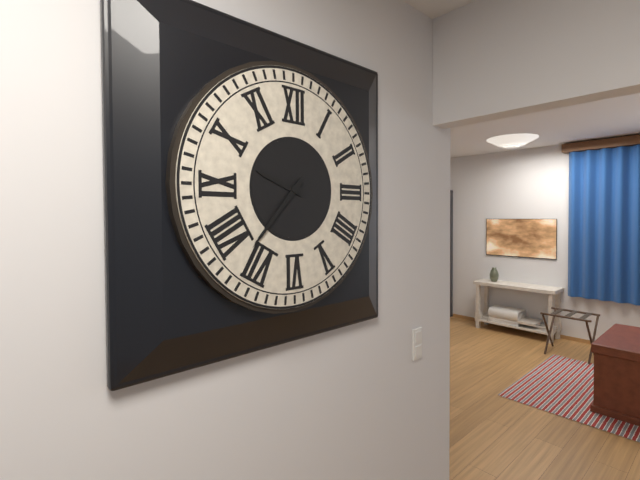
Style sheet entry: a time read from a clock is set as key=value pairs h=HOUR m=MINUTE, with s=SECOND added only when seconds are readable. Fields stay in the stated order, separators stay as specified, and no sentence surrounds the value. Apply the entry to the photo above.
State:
h=9 m=37
